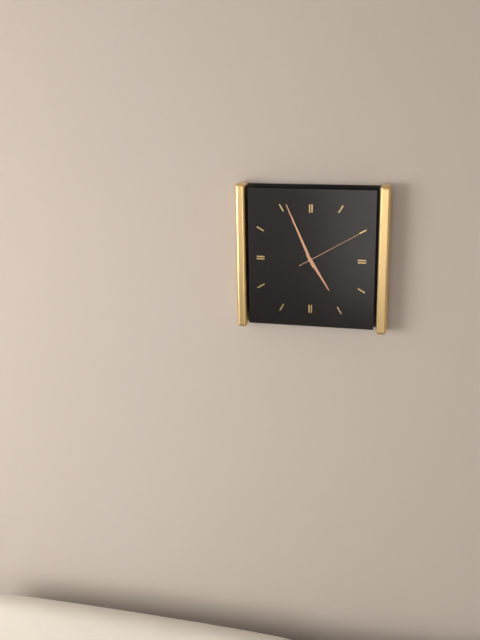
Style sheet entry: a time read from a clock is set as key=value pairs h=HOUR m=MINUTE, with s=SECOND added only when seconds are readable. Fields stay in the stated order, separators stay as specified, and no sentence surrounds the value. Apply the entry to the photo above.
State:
h=4 m=56 s=10
